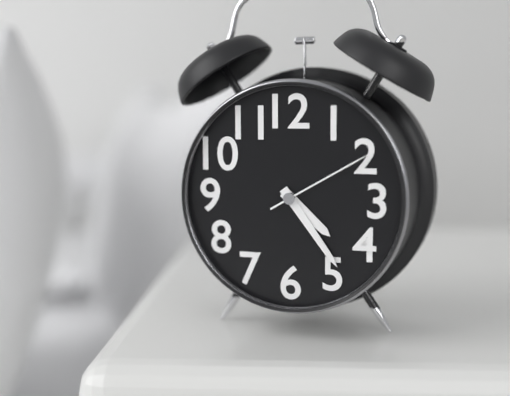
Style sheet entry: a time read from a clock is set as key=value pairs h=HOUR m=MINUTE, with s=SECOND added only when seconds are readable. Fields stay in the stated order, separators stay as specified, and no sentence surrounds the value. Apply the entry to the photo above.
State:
h=4 m=24 s=10
